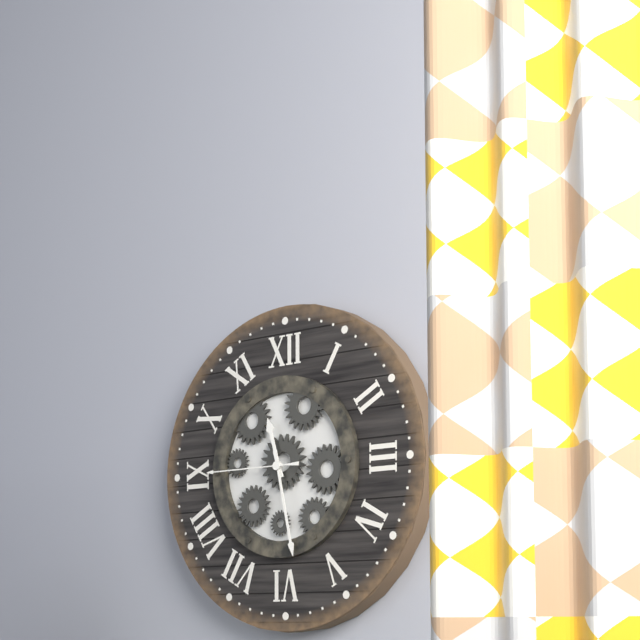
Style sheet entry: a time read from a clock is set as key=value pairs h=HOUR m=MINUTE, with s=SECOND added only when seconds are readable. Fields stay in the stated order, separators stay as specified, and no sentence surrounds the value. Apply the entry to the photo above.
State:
h=11 m=28 s=45
